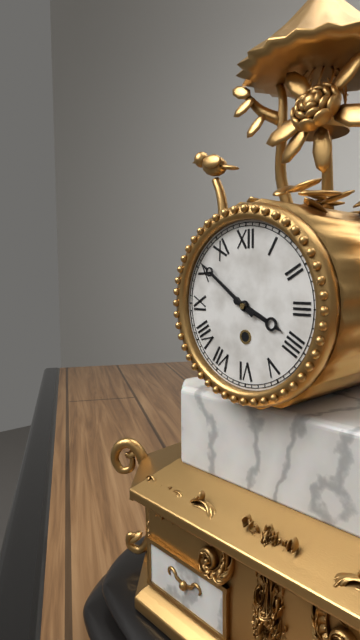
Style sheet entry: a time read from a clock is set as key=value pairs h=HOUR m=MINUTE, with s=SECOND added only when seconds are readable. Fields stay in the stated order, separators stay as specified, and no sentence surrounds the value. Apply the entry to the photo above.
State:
h=3 m=51
